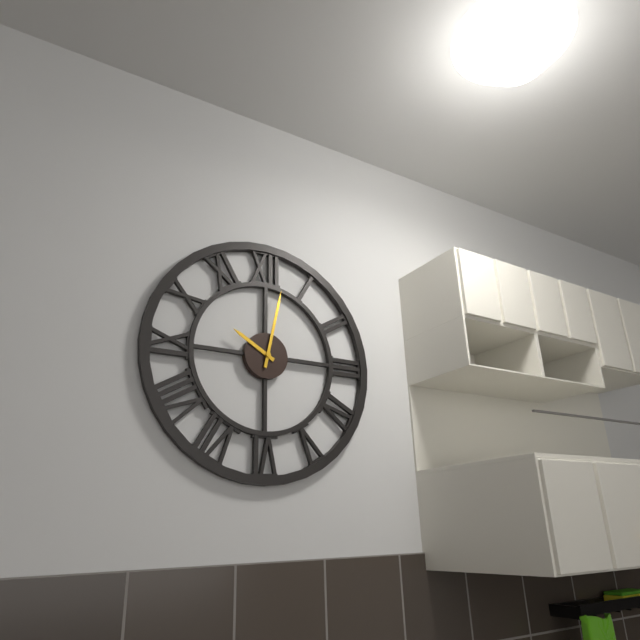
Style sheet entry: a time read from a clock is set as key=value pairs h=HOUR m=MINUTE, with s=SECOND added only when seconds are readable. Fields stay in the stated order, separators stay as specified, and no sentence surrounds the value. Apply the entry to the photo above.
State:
h=10 m=2
